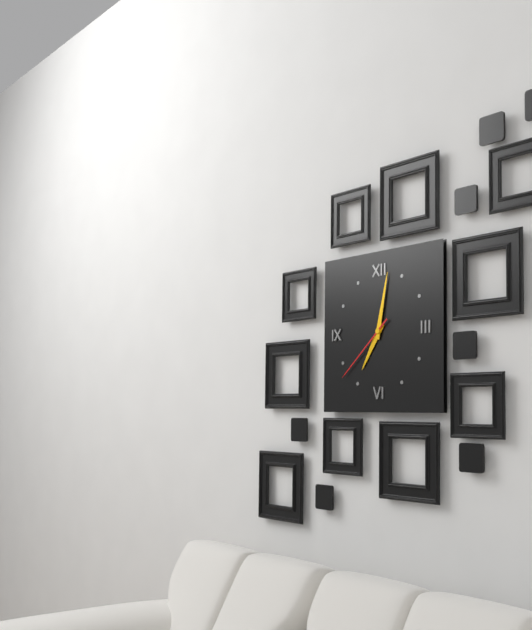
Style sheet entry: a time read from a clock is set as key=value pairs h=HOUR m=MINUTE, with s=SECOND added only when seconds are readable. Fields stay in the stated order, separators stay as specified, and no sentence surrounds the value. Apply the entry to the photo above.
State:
h=7 m=2 s=38
